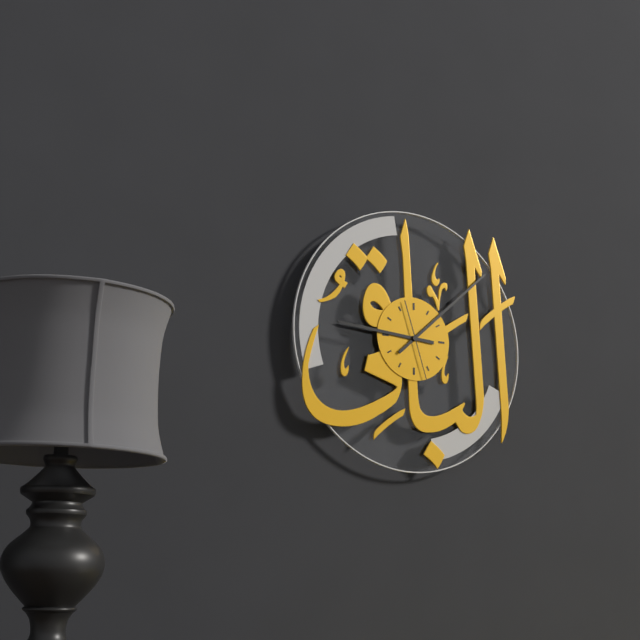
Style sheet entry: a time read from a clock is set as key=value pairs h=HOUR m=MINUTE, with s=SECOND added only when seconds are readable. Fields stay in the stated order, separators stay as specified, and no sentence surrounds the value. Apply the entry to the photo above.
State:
h=9 m=8 s=27
